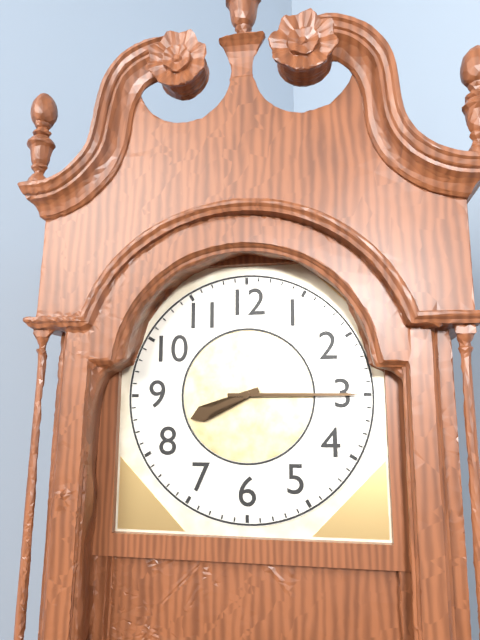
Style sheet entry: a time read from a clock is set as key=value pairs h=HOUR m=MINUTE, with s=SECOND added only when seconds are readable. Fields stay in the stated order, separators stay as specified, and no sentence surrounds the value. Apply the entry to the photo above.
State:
h=8 m=15
